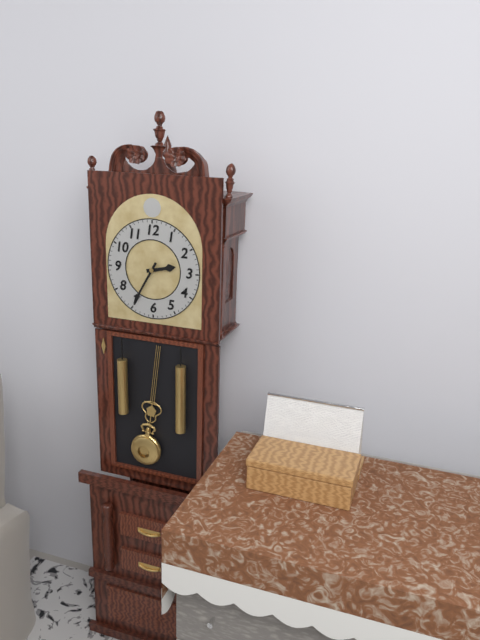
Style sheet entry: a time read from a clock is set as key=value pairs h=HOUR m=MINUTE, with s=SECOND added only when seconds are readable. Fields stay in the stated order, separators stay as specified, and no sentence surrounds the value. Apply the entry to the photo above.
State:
h=2 m=35
